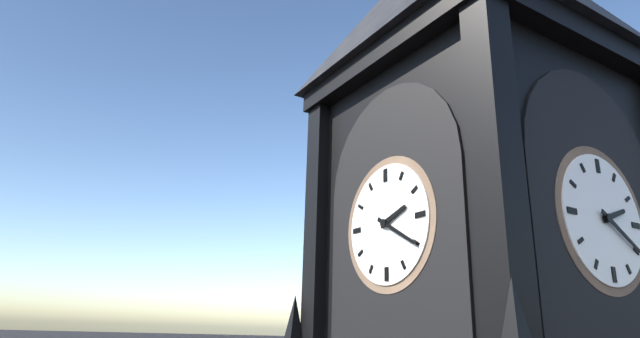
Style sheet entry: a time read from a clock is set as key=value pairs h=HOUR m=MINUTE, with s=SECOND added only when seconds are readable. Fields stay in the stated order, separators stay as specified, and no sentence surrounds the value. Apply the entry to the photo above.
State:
h=2 m=20
